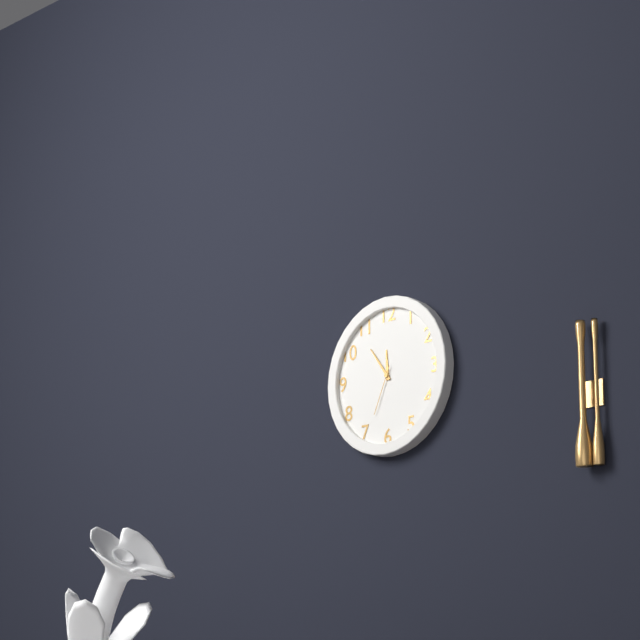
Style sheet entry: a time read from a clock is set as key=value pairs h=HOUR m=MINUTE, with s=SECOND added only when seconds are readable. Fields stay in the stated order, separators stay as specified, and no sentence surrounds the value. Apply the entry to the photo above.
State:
h=11 m=54 s=34
